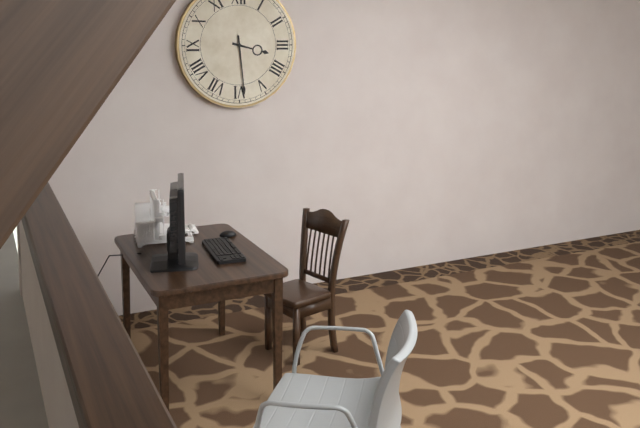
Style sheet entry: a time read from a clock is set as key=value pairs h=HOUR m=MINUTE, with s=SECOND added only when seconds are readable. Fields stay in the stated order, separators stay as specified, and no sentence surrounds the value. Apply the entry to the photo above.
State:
h=3 m=29
